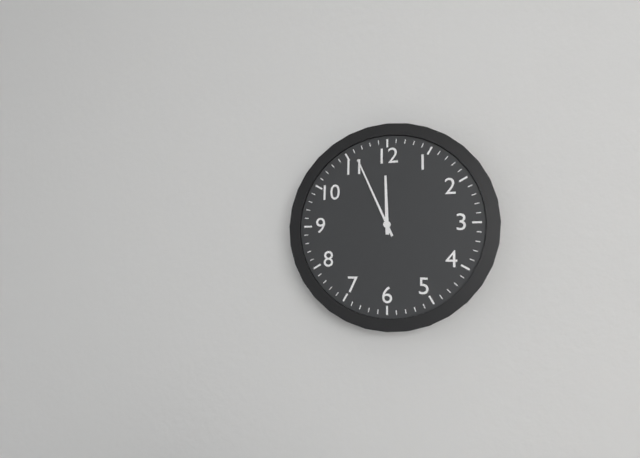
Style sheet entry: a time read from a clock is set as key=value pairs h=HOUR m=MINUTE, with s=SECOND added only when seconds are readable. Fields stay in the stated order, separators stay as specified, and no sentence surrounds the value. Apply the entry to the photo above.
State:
h=11 m=56
